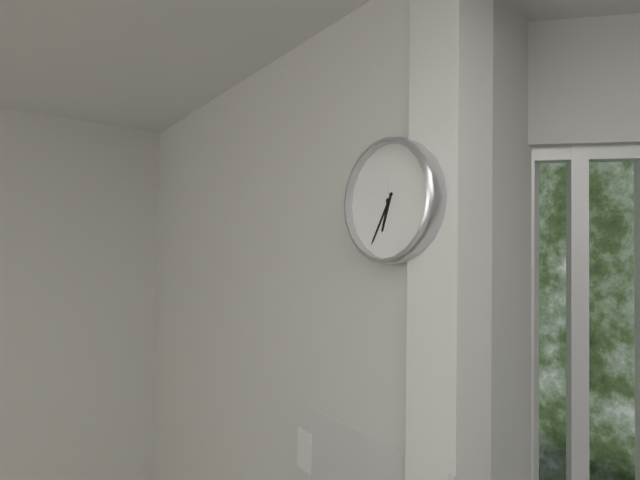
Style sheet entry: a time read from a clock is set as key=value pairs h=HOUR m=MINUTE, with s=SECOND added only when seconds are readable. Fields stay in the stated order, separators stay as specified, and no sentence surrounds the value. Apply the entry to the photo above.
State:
h=6 m=35
